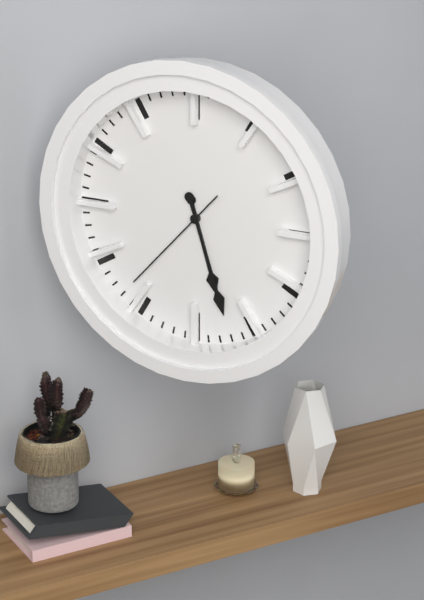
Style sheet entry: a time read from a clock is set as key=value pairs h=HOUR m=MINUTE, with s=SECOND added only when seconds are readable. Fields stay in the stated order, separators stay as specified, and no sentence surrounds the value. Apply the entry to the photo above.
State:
h=5 m=27 s=37
